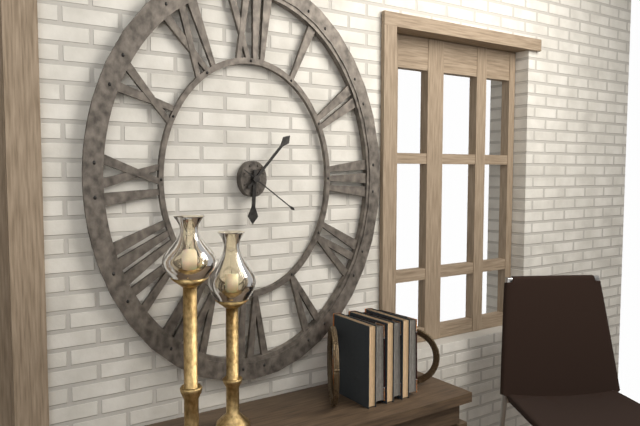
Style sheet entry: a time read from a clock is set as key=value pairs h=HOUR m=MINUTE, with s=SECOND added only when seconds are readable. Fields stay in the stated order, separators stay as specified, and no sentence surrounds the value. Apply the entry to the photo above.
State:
h=6 m=7 s=21
